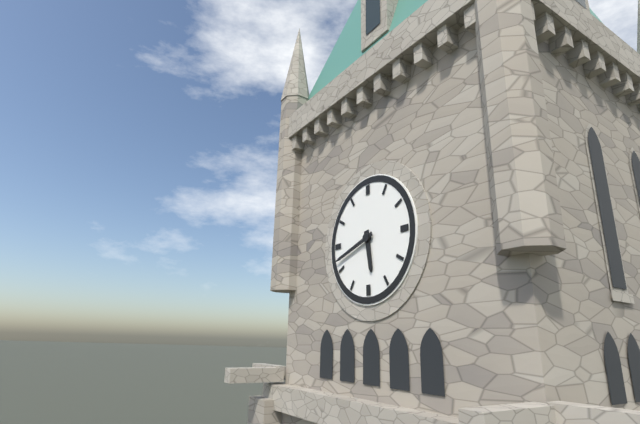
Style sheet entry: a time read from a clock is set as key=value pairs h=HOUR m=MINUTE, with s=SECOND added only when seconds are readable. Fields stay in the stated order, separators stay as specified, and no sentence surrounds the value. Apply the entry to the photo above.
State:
h=5 m=42
